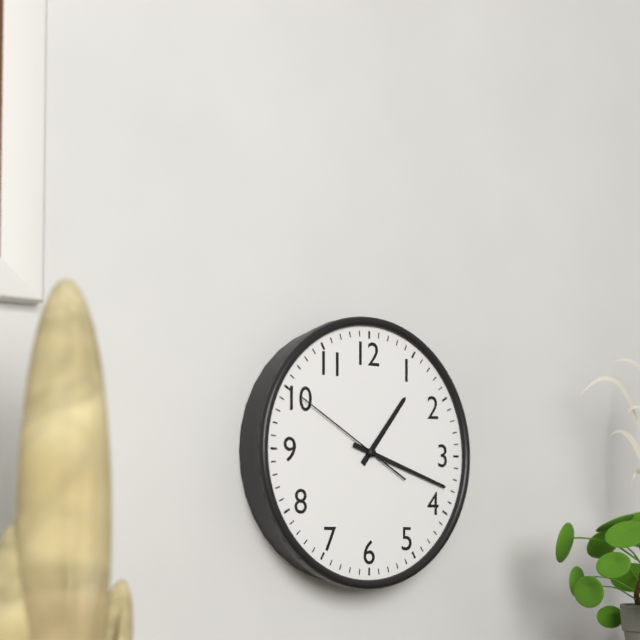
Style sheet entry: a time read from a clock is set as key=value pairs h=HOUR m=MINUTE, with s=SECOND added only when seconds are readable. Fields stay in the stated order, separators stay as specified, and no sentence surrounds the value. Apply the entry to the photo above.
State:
h=1 m=18 s=50
